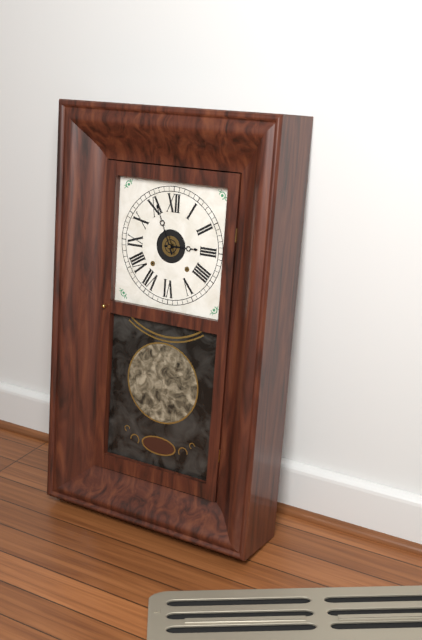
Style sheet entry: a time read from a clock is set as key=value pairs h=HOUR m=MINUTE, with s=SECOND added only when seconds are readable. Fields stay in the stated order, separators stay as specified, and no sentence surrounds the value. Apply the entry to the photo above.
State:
h=2 m=56
